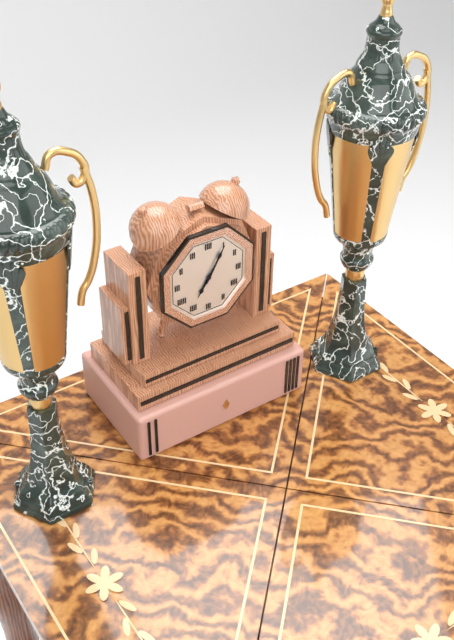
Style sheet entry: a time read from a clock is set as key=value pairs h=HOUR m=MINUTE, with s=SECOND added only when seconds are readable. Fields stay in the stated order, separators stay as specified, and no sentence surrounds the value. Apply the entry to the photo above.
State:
h=7 m=5
